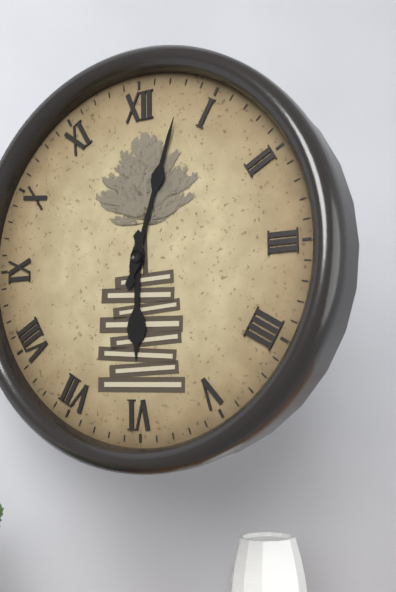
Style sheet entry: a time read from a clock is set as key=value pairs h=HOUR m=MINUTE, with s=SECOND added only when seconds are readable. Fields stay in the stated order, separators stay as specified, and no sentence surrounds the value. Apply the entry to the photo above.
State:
h=6 m=3
